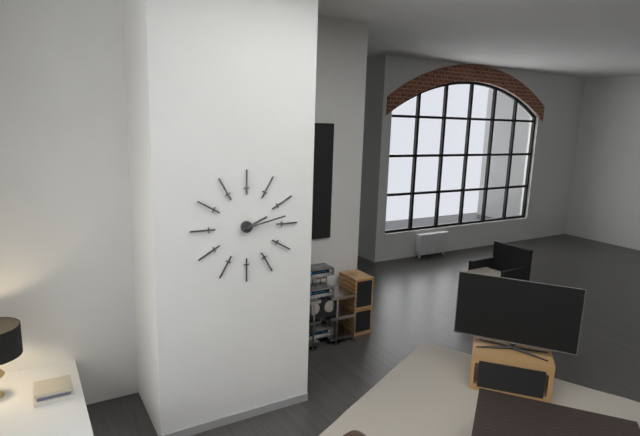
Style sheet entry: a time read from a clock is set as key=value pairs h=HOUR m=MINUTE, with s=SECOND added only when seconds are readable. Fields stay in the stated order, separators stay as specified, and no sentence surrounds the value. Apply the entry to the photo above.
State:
h=2 m=13
